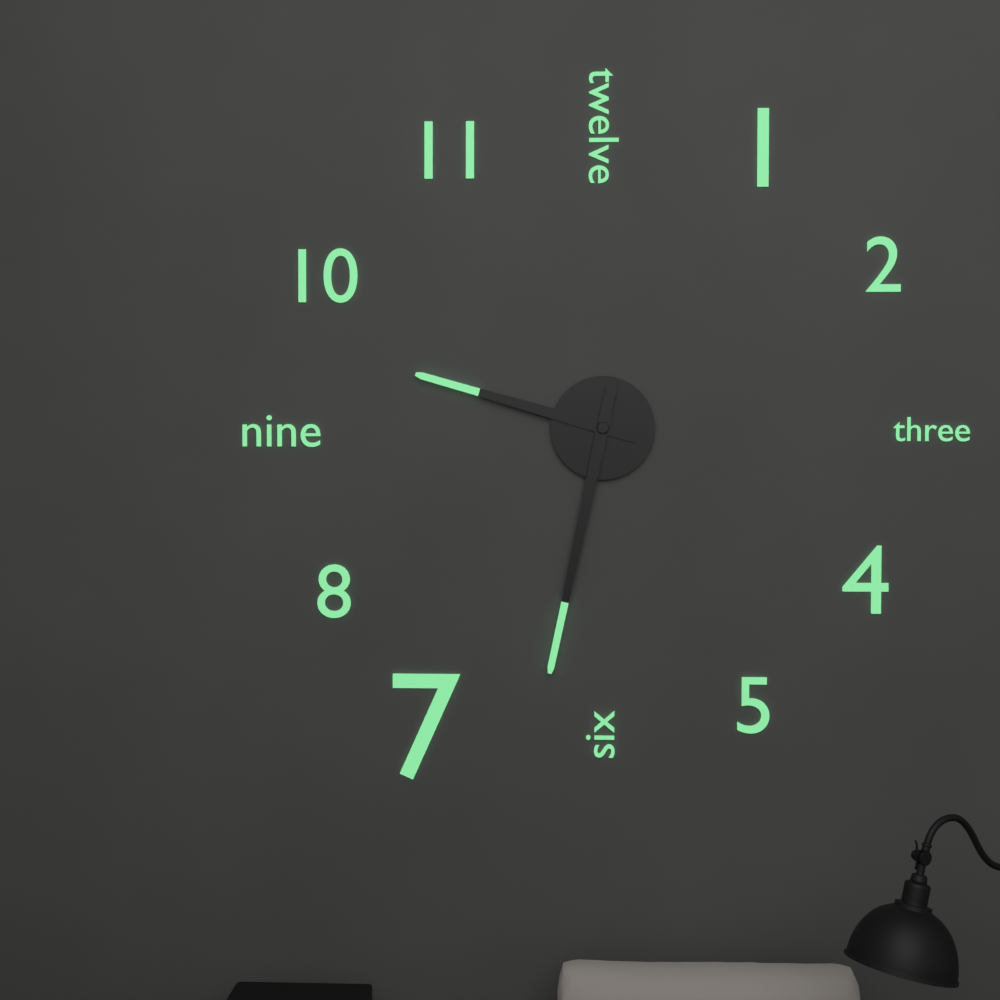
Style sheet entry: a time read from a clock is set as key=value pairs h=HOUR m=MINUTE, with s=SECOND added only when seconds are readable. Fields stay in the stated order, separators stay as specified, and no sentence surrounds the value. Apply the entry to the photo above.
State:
h=9 m=32
